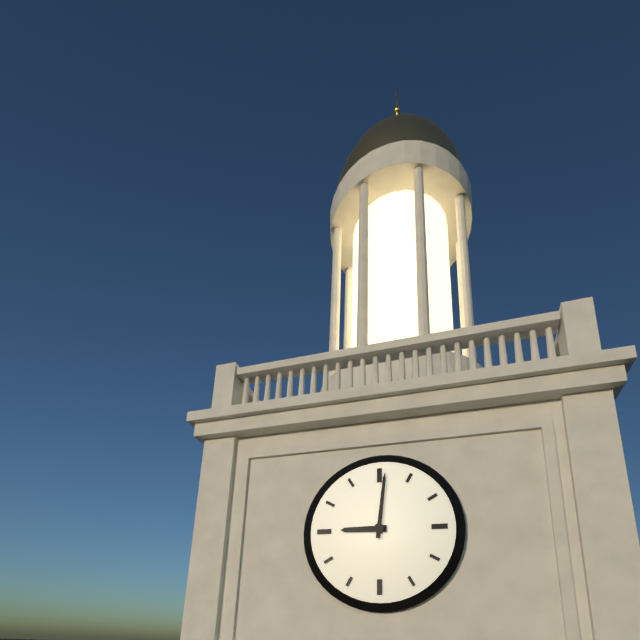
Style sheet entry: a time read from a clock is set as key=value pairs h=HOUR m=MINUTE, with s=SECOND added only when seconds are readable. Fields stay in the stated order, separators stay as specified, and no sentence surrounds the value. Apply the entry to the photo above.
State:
h=9 m=1
